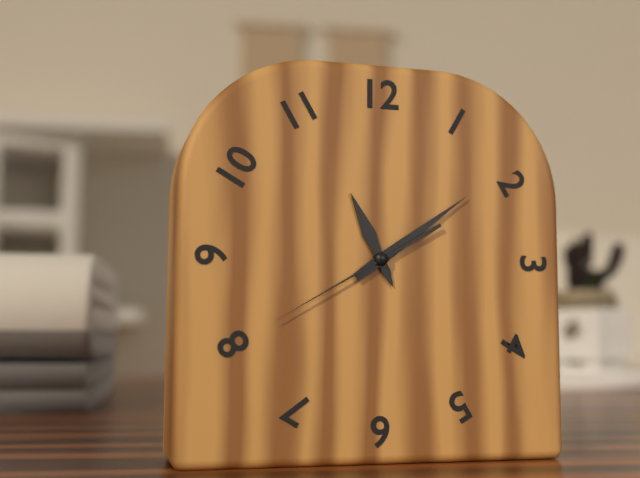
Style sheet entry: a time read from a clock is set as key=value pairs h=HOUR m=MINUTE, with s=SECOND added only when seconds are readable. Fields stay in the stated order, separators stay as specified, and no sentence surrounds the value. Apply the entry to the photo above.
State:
h=11 m=9 s=40
